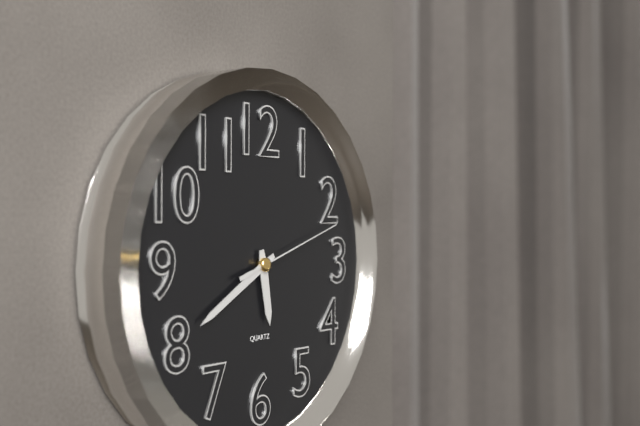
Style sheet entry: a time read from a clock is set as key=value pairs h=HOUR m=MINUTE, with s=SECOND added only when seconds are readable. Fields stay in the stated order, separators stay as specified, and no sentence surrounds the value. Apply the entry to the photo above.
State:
h=5 m=40 s=12
